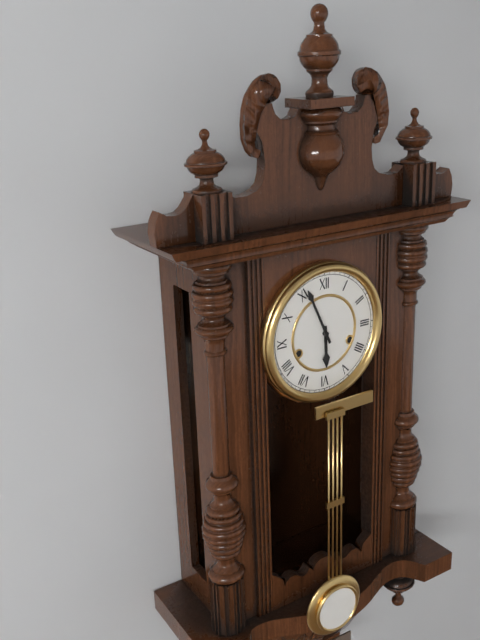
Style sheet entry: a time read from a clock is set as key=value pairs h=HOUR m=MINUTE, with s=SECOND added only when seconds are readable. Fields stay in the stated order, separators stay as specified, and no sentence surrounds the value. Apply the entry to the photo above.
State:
h=5 m=56
